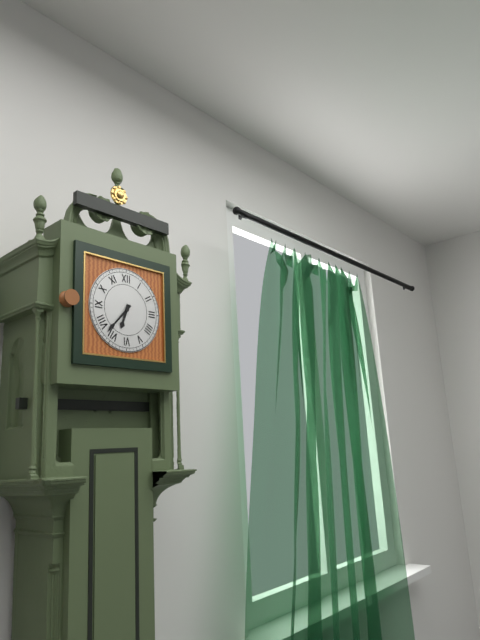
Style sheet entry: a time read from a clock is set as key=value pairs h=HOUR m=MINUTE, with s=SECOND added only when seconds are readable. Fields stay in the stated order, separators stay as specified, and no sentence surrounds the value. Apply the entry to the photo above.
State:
h=6 m=37
